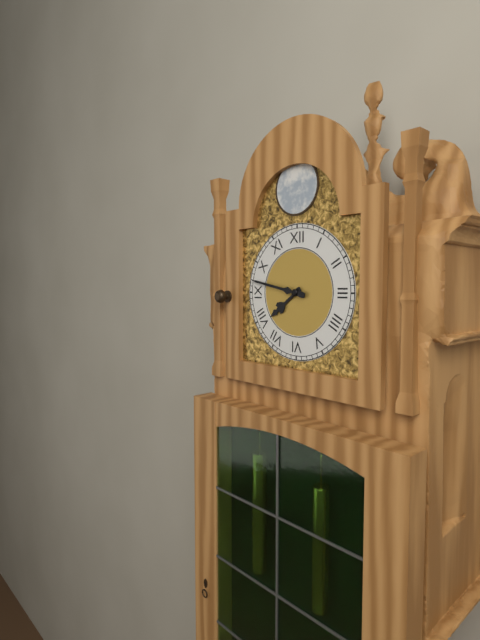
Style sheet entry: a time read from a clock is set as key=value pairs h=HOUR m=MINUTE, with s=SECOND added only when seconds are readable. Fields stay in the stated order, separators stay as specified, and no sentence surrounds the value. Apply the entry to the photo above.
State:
h=7 m=47
